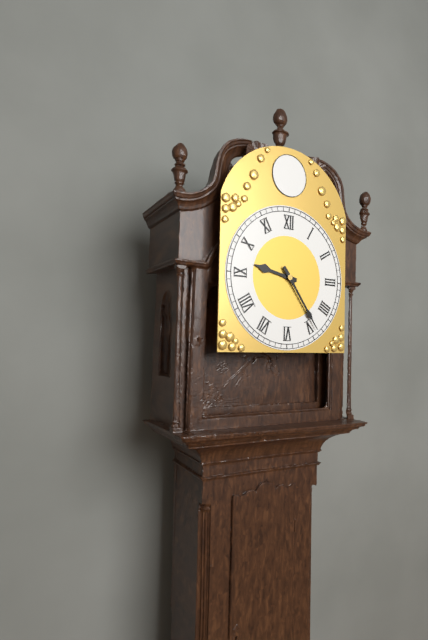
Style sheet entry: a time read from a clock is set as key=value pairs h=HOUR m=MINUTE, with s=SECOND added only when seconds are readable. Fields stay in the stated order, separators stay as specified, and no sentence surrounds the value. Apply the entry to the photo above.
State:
h=9 m=24
